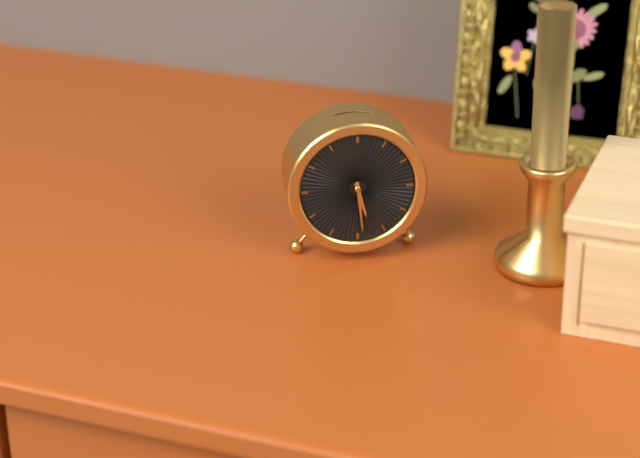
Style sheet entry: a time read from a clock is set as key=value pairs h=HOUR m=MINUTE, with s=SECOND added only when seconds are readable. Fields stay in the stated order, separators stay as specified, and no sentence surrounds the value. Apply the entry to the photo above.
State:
h=5 m=29
